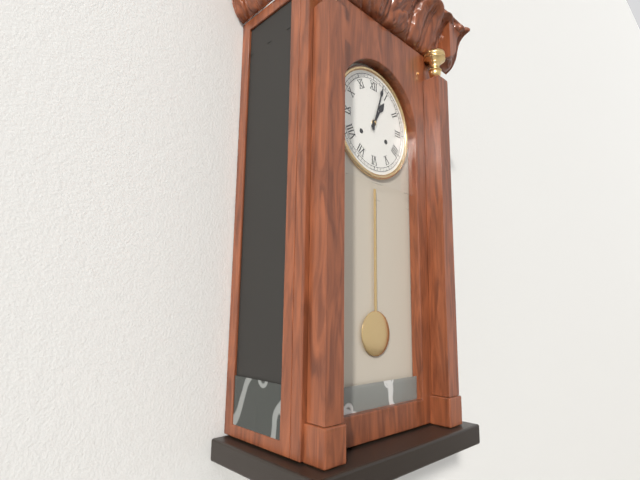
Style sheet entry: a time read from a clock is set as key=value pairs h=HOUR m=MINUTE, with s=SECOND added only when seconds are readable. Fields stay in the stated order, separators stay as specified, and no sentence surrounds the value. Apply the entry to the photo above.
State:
h=1 m=3
